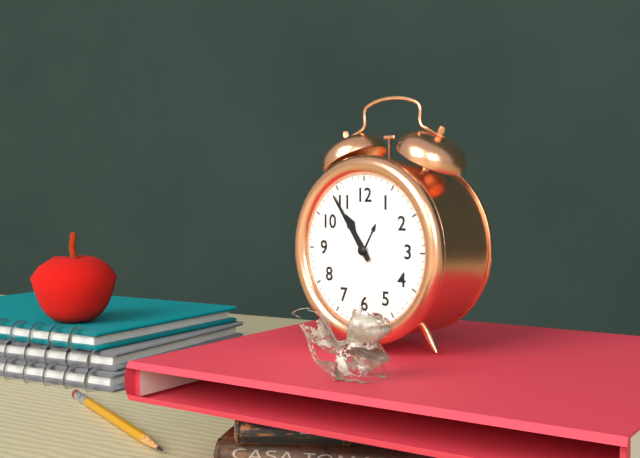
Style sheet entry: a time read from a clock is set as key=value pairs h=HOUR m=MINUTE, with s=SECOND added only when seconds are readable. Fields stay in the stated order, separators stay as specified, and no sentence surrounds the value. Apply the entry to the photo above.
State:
h=10 m=54
